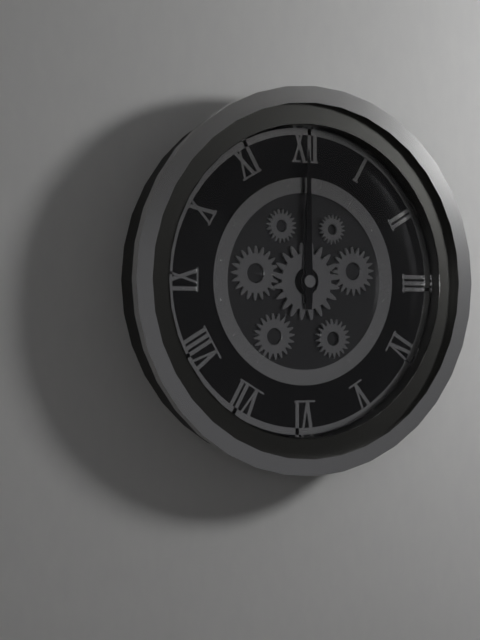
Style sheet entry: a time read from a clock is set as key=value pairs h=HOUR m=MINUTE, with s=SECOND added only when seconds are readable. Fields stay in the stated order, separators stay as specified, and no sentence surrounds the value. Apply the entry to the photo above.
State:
h=12 m=0
